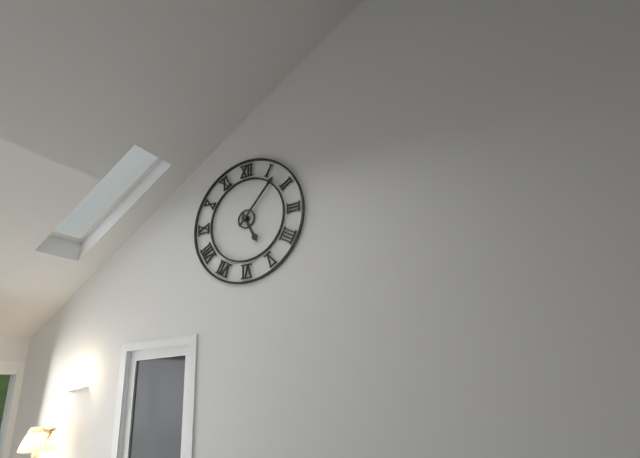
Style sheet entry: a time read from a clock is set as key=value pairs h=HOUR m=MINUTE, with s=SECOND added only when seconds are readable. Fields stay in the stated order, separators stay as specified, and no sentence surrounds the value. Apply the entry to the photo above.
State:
h=5 m=7
